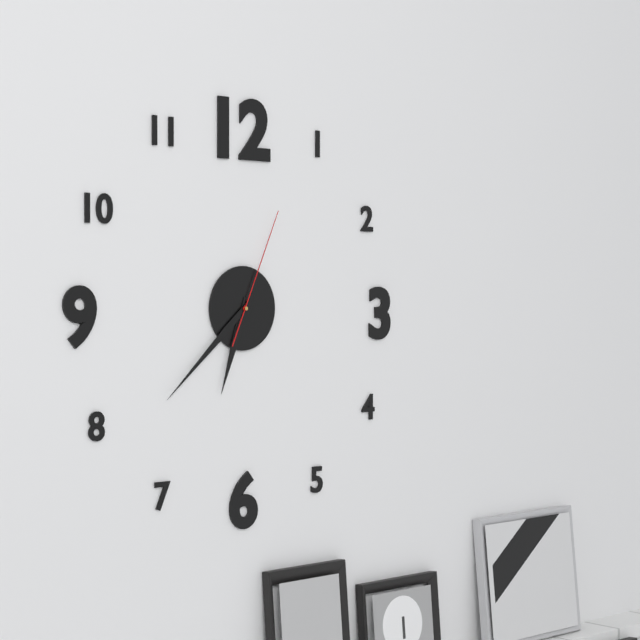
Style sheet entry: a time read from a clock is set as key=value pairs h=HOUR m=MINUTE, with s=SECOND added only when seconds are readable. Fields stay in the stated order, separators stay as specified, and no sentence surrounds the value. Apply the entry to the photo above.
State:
h=6 m=38 s=4
